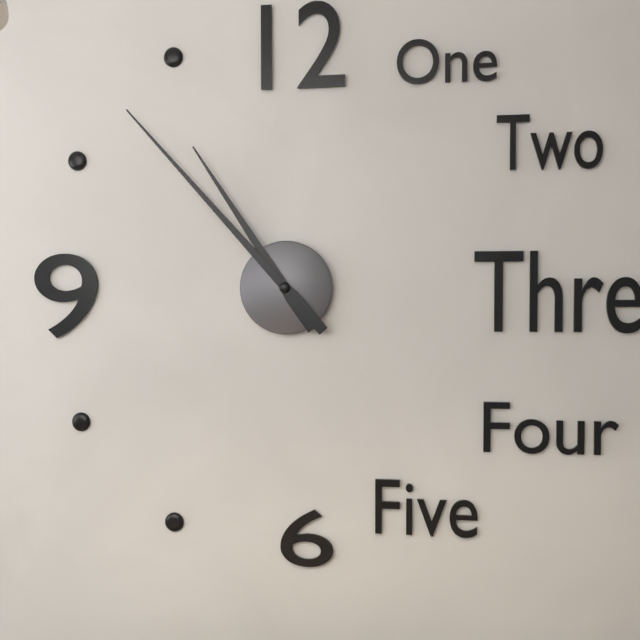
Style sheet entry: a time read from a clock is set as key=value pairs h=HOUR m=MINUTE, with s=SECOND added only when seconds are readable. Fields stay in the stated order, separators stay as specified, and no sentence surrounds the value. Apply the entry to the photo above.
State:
h=10 m=53
